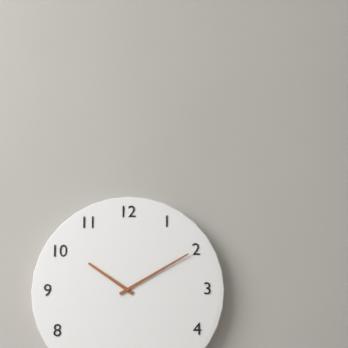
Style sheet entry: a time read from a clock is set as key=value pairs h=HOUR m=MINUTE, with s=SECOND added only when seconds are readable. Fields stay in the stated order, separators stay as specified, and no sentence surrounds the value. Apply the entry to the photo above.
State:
h=10 m=10
